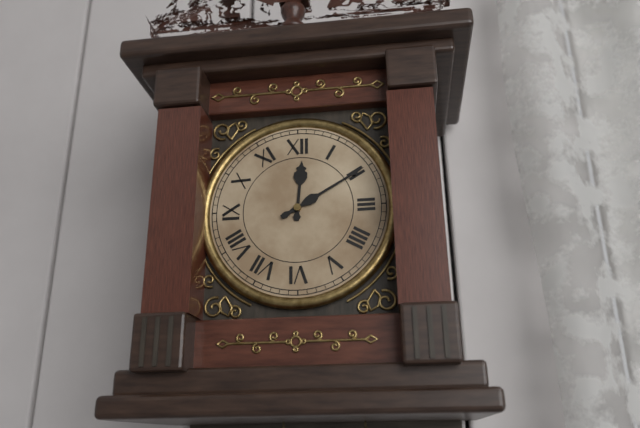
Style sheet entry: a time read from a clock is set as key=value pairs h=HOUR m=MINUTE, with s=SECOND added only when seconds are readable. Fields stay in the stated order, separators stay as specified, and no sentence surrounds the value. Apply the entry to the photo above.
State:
h=12 m=10
